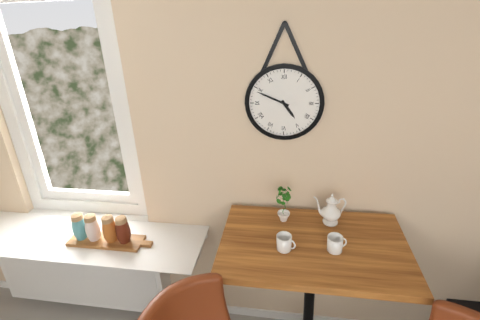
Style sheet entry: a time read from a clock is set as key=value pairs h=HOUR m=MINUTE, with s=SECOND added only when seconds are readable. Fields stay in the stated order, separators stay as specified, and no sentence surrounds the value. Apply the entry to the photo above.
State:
h=4 m=49
